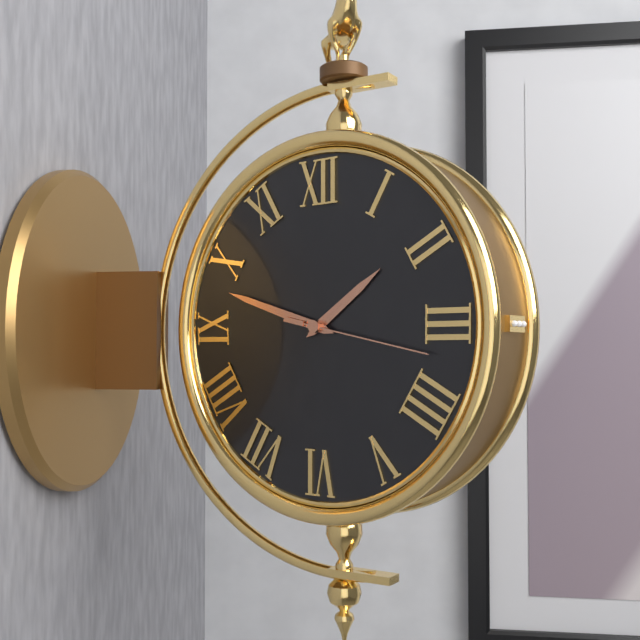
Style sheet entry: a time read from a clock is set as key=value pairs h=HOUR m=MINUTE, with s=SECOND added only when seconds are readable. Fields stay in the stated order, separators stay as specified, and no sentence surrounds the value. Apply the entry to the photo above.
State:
h=1 m=48 s=17
